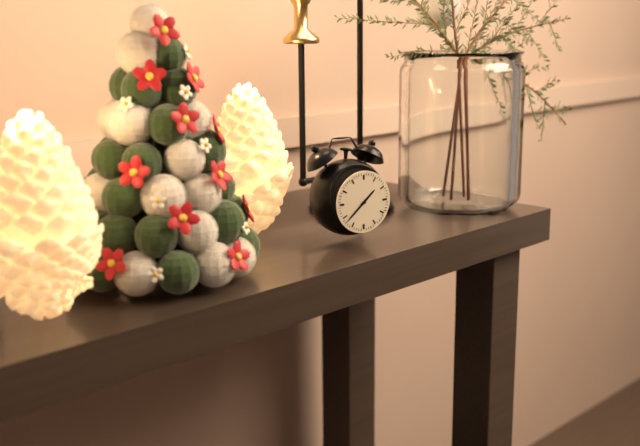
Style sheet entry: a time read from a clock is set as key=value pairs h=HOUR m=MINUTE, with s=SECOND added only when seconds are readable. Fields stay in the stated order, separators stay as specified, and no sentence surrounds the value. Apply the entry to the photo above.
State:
h=1 m=38
